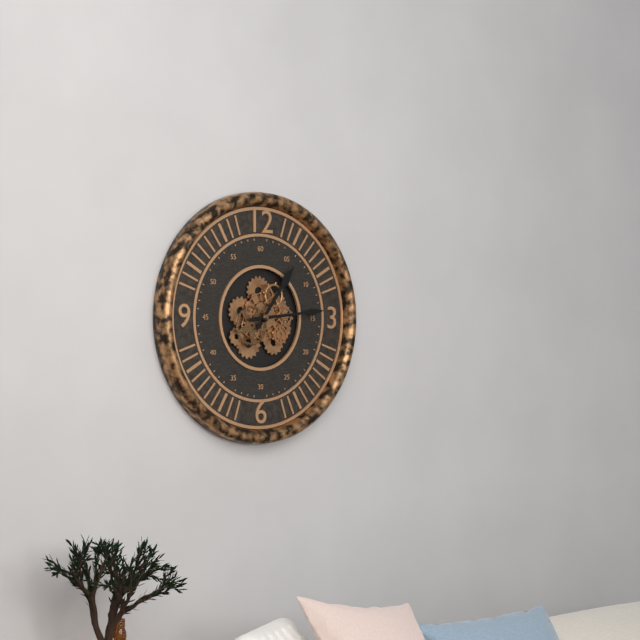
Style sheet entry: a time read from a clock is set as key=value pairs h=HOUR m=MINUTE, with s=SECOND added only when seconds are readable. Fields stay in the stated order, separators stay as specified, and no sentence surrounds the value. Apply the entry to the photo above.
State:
h=1 m=14
